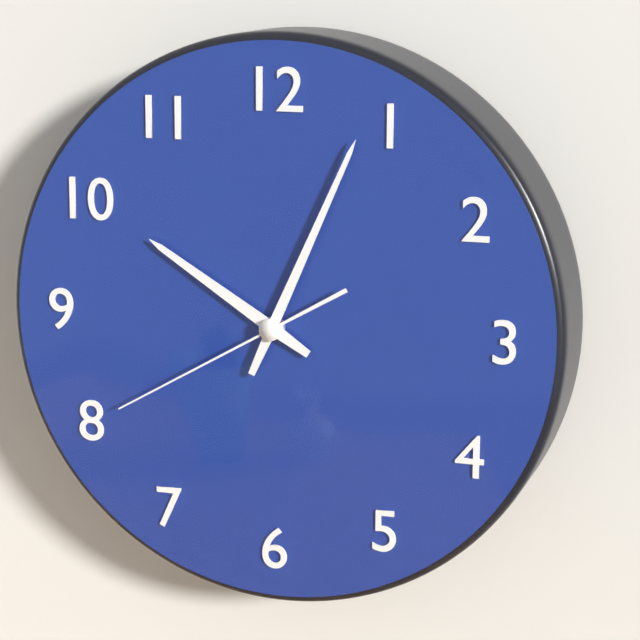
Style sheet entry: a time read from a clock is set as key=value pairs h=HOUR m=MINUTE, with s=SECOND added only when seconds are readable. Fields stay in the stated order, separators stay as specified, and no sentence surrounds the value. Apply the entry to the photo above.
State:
h=10 m=4 s=40
